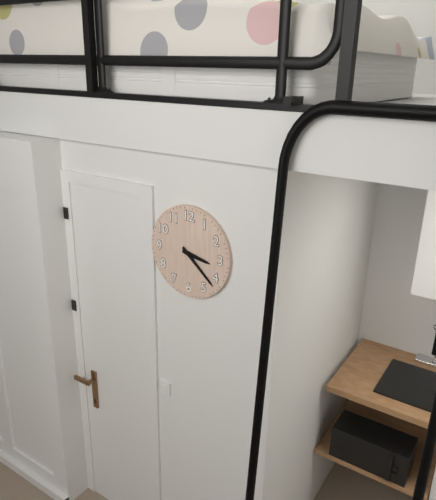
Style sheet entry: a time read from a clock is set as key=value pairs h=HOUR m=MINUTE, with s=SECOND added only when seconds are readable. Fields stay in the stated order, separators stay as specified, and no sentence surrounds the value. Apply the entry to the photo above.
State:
h=3 m=22
